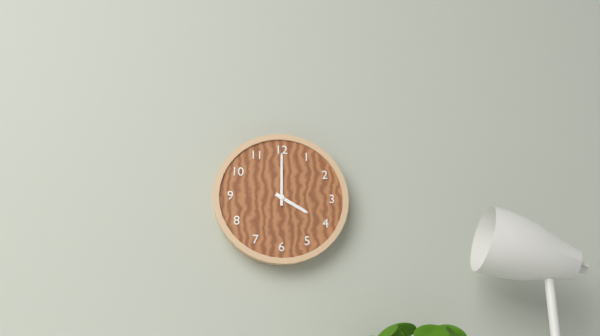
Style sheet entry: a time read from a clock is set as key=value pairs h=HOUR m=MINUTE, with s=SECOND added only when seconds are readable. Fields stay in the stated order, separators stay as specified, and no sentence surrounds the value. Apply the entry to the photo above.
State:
h=4 m=0
